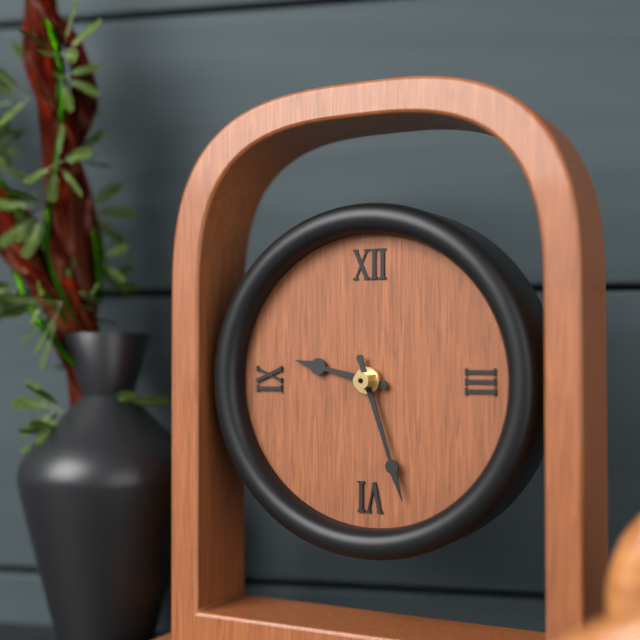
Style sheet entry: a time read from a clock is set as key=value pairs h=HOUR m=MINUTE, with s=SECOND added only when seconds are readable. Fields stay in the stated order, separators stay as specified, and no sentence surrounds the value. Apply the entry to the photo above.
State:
h=9 m=27
